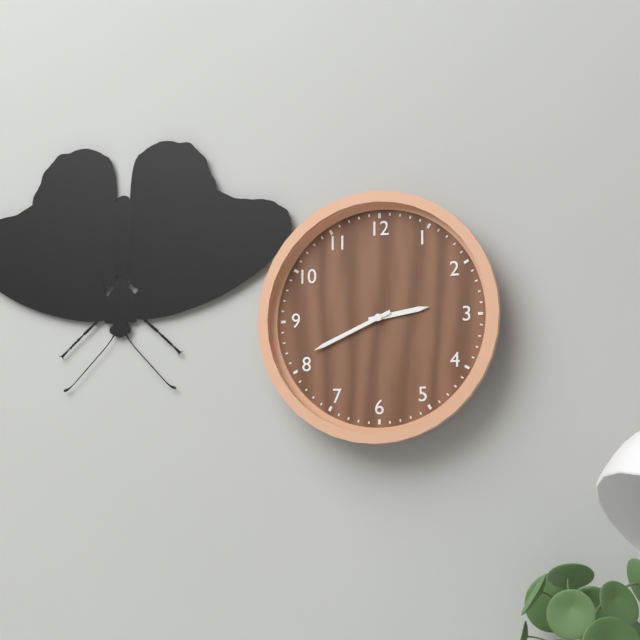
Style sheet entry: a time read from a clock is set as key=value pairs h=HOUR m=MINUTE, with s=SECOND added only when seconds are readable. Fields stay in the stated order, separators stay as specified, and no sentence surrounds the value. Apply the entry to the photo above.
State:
h=2 m=41
